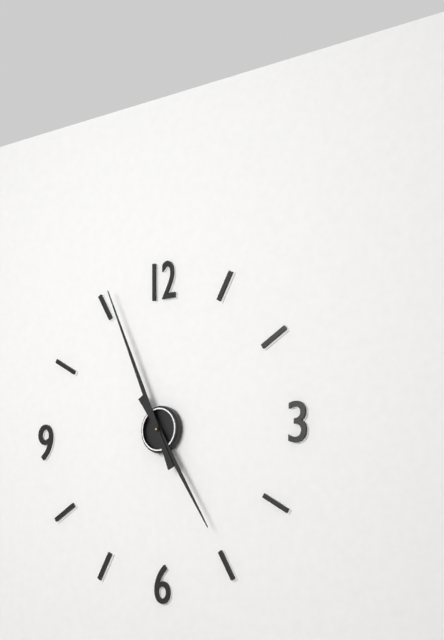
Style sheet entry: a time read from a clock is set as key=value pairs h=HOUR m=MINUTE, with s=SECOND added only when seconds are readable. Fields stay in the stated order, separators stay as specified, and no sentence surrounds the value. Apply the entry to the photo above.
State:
h=4 m=56
